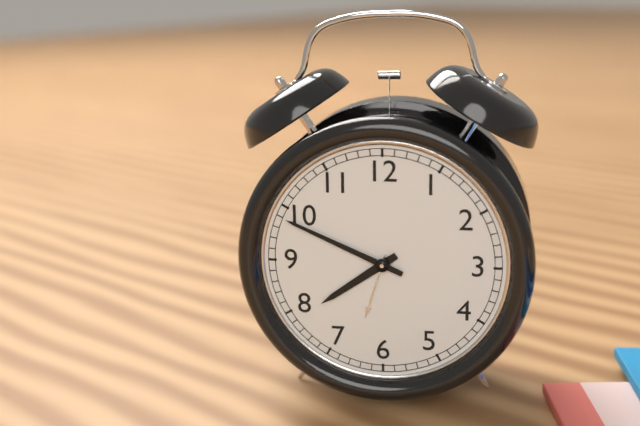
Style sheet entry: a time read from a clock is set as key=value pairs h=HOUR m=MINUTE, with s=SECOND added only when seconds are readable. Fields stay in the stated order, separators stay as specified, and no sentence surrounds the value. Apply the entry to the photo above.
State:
h=7 m=49
